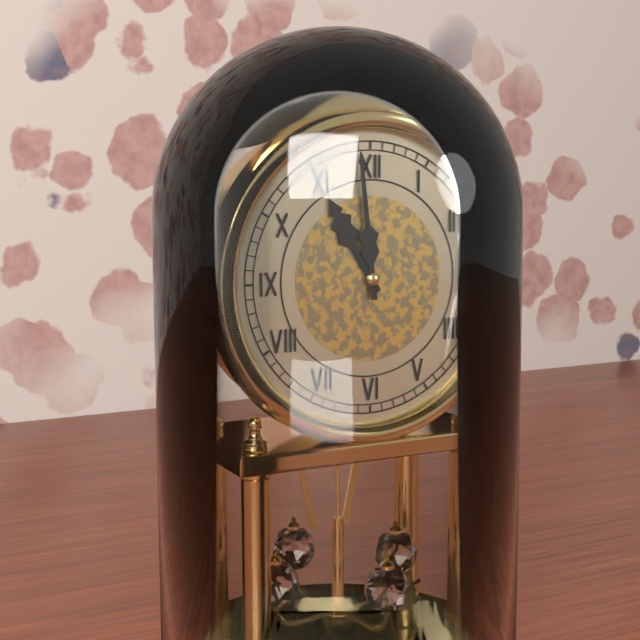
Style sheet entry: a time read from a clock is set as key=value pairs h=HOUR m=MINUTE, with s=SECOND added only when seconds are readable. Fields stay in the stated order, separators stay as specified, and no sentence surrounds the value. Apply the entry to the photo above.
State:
h=10 m=59
